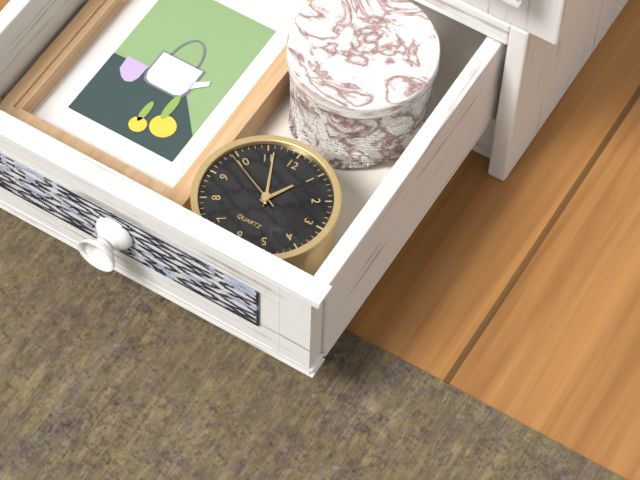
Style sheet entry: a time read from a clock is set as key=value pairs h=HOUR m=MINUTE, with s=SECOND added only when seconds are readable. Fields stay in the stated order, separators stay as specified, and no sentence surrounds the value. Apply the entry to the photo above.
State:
h=12 m=56 s=49
